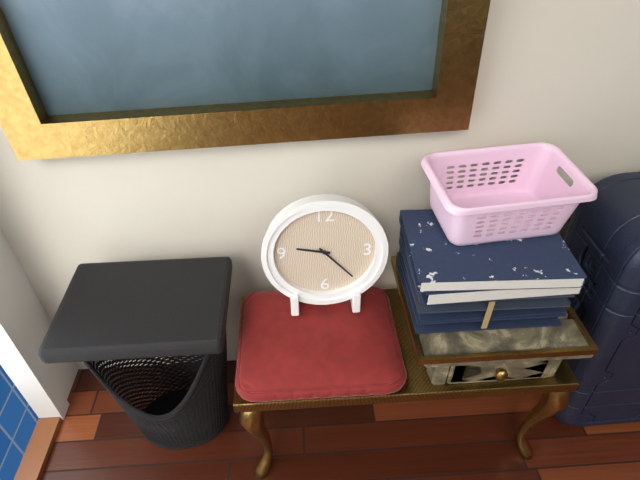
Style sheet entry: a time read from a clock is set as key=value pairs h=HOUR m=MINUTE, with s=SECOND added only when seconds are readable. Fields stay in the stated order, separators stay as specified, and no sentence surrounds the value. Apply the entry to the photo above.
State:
h=9 m=23
